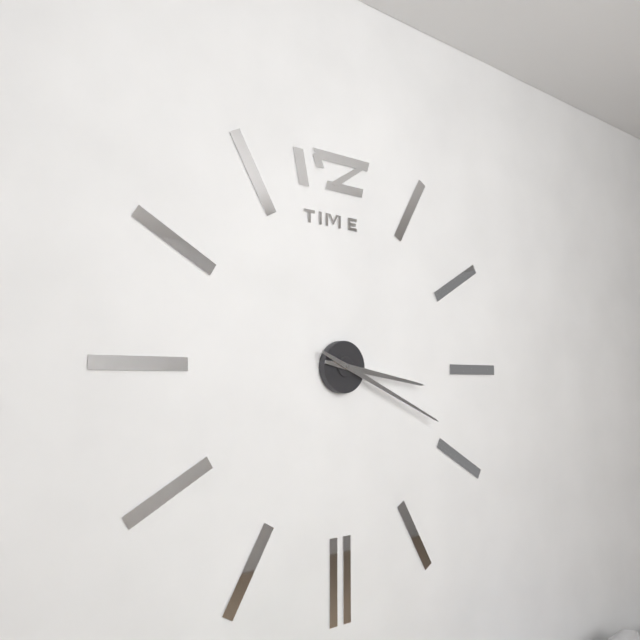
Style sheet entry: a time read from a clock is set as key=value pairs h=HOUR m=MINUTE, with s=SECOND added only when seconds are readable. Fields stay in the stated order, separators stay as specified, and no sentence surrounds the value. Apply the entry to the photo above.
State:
h=3 m=19
